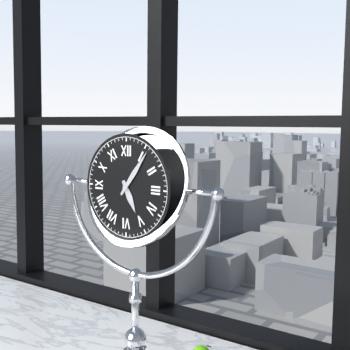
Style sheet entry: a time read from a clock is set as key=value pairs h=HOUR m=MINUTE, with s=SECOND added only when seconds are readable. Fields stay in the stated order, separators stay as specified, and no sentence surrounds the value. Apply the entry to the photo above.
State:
h=5 m=6
